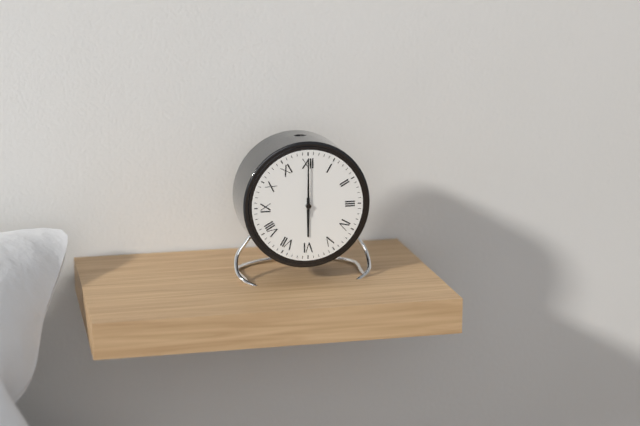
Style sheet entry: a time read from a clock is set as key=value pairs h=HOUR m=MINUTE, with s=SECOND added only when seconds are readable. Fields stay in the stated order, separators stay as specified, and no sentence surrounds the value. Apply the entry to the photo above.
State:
h=6 m=0
